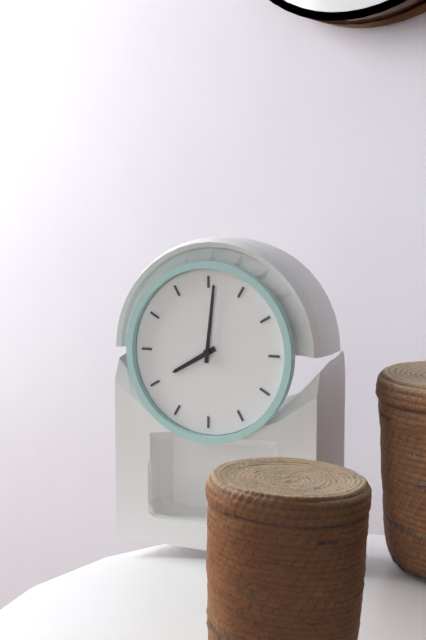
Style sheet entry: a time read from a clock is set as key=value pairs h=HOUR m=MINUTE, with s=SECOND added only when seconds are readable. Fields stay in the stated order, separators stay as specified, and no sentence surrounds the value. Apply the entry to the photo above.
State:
h=8 m=1
